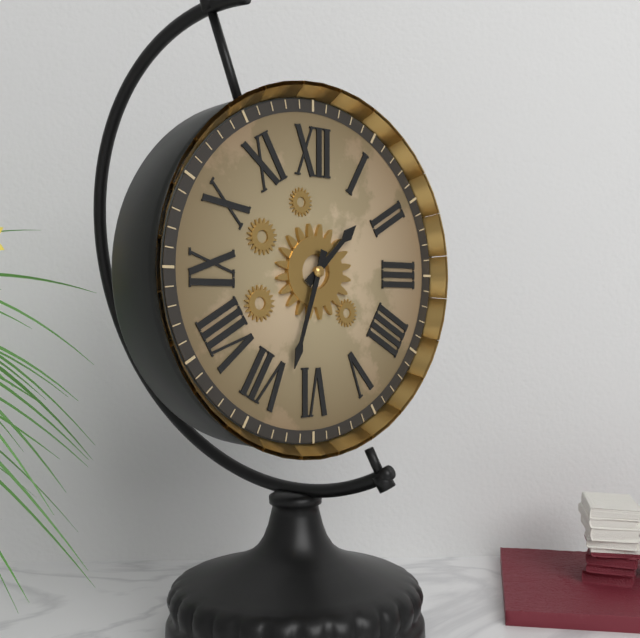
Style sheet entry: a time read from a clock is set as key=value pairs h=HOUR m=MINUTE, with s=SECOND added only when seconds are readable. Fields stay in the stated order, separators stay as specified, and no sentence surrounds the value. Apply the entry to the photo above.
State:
h=1 m=33
